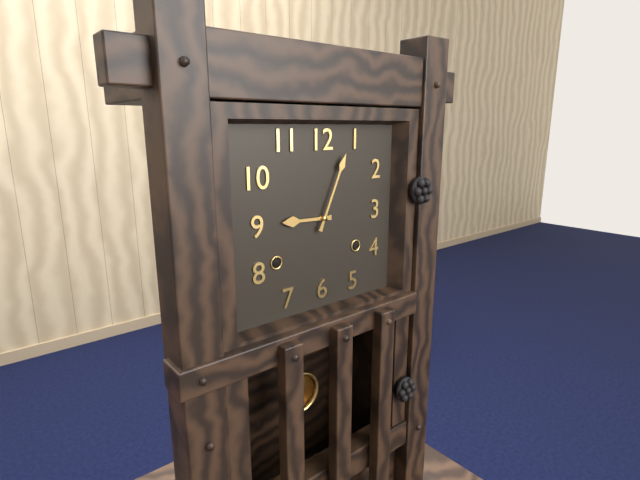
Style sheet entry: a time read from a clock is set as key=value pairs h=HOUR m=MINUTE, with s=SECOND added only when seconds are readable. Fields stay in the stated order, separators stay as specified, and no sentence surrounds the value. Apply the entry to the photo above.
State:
h=9 m=4
